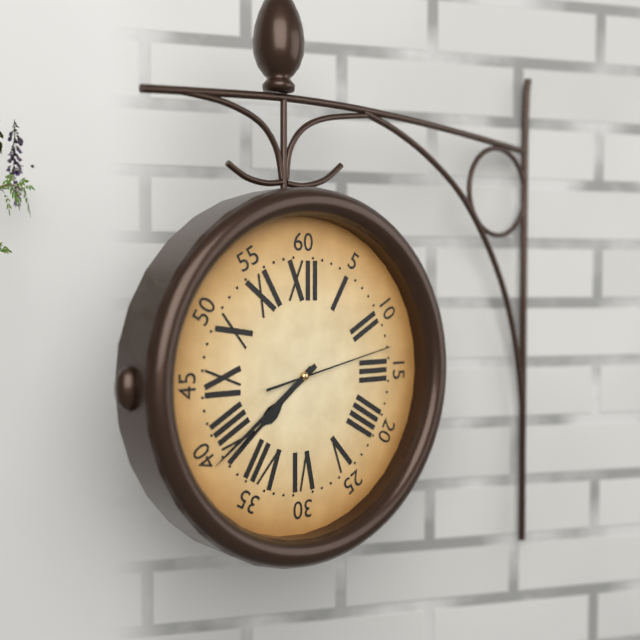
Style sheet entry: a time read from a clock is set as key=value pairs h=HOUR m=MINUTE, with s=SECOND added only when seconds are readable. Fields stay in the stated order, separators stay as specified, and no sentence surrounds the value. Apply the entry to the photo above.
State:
h=7 m=39 s=13
